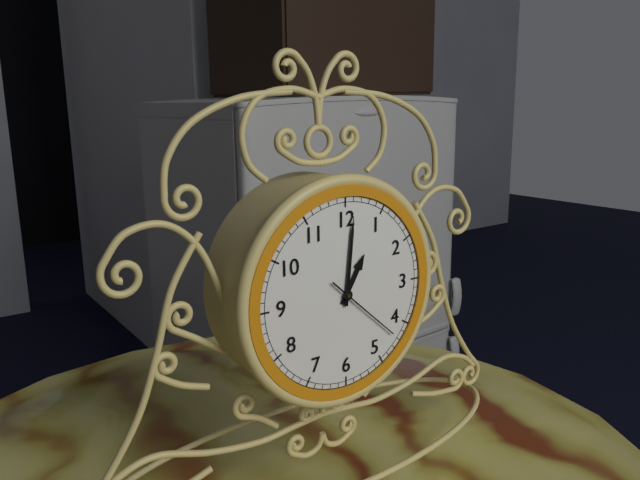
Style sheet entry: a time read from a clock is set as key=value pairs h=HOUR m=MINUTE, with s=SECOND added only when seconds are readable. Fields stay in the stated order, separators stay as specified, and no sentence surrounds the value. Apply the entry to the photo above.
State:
h=1 m=1 s=22
